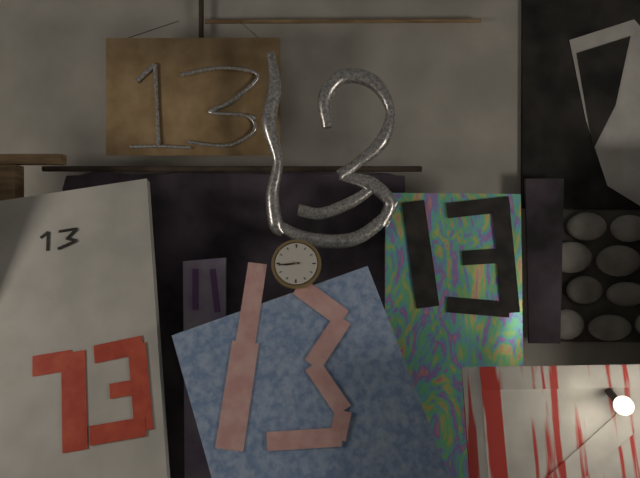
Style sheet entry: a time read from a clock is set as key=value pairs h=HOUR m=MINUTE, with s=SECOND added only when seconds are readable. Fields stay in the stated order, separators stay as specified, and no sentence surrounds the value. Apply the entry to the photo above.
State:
h=8 m=44
